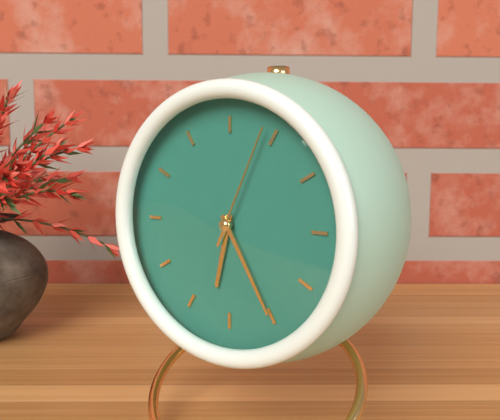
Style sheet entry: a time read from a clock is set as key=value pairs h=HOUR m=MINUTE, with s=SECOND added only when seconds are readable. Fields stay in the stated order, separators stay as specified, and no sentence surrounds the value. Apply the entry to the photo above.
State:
h=6 m=25 s=4
